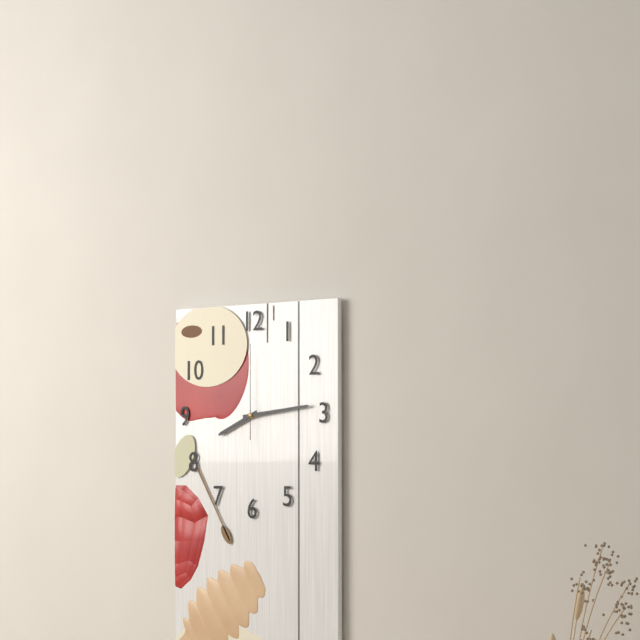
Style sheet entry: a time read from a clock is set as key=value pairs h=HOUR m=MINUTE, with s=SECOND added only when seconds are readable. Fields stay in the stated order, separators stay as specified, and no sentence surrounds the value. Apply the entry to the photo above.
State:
h=8 m=14 s=0
